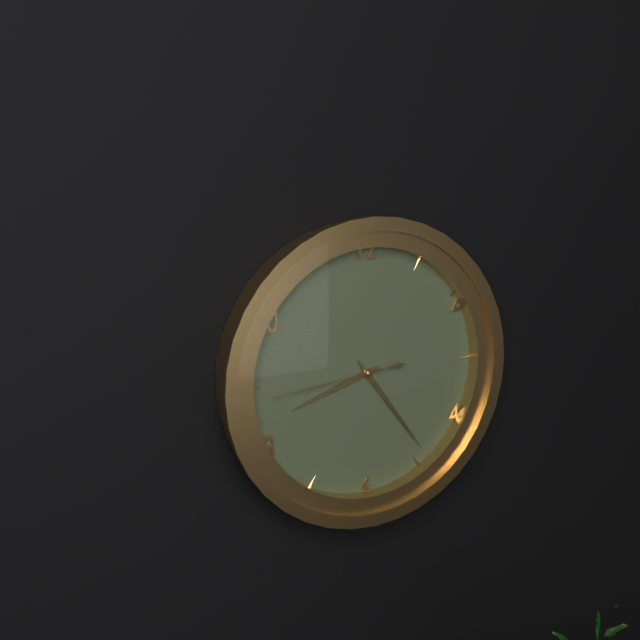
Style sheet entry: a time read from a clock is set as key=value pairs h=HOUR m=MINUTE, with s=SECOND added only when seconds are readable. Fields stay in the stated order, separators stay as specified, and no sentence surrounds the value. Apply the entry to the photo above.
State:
h=8 m=24 s=44
